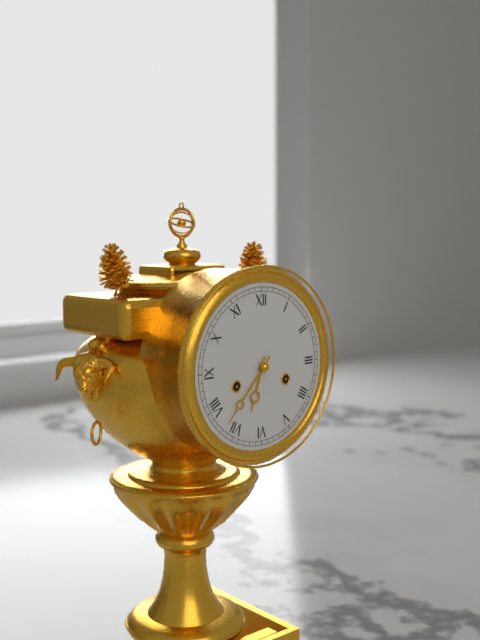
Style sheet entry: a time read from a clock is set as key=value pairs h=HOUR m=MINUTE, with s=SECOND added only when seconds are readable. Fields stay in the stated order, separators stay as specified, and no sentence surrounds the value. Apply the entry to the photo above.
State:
h=6 m=37
